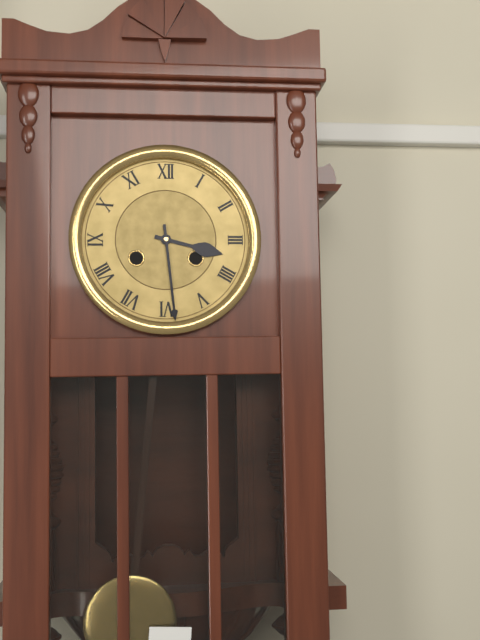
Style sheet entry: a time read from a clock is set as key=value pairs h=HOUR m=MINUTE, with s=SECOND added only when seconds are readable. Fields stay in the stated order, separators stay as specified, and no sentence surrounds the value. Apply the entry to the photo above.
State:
h=3 m=29
